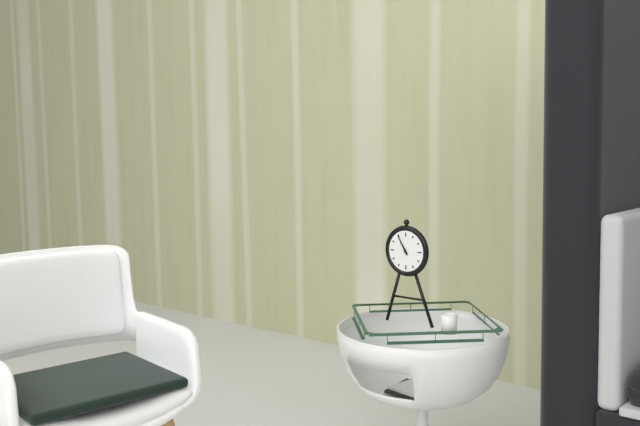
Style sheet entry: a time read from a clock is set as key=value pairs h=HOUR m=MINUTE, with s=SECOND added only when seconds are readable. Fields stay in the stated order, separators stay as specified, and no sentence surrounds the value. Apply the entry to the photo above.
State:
h=10 m=55
